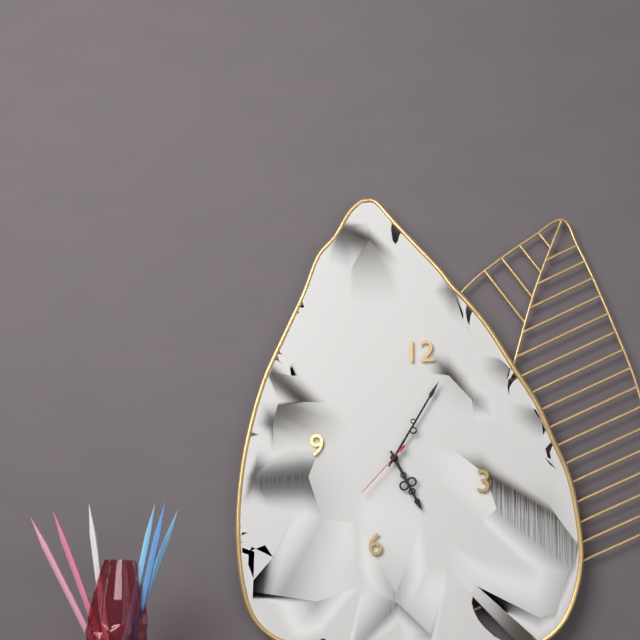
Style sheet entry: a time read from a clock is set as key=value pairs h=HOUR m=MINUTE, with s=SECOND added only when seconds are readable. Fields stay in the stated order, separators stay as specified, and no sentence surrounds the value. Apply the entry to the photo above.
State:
h=5 m=5 s=37
